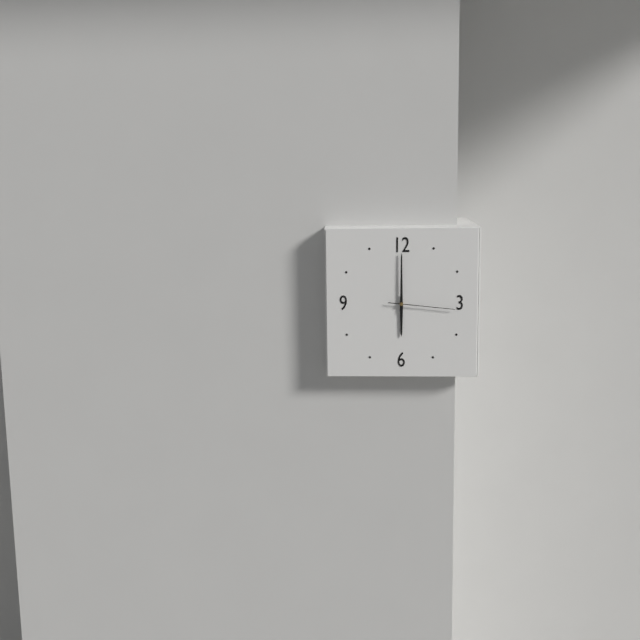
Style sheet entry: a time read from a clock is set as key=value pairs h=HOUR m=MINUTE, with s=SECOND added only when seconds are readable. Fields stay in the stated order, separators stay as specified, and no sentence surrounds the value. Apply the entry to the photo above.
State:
h=6 m=0 s=16
